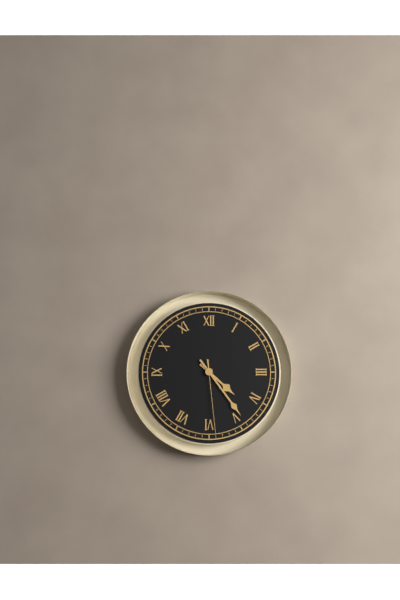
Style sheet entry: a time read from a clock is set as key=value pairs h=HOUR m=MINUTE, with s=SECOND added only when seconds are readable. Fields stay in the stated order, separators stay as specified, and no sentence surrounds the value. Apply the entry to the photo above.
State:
h=4 m=24 s=29
